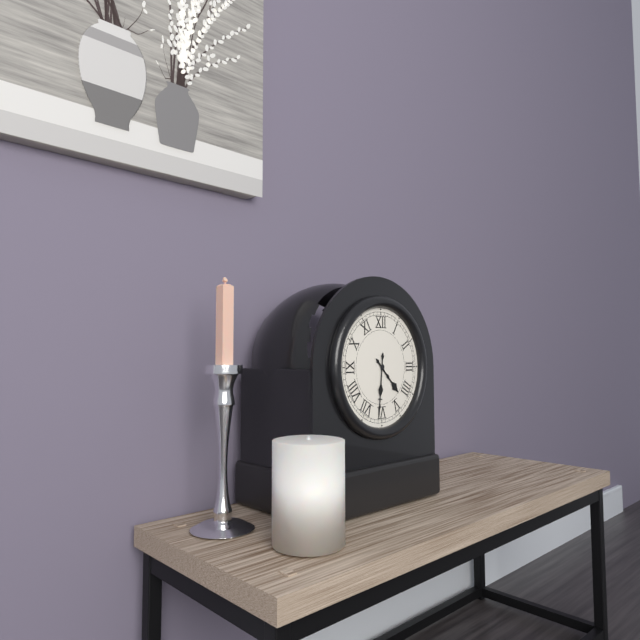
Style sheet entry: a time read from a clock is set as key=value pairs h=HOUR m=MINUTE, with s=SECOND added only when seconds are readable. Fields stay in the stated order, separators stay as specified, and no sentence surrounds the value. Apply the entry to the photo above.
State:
h=4 m=31
